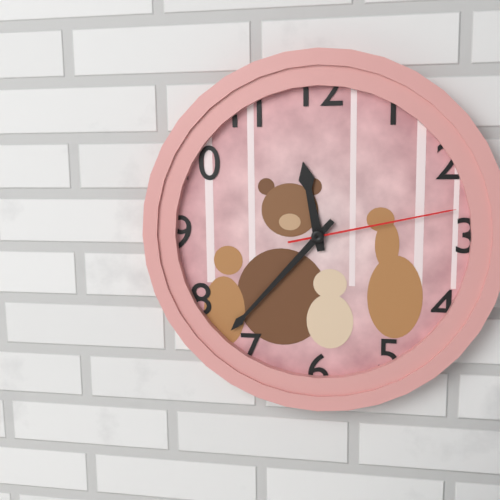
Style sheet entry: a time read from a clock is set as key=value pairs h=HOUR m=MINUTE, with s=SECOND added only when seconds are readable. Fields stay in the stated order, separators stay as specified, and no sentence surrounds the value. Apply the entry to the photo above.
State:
h=11 m=37 s=13
